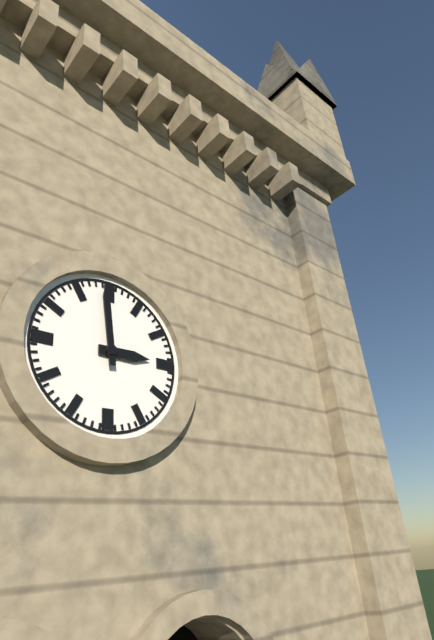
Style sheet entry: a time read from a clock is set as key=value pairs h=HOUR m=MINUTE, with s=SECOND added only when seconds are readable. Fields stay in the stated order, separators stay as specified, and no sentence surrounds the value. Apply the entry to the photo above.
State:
h=2 m=59
